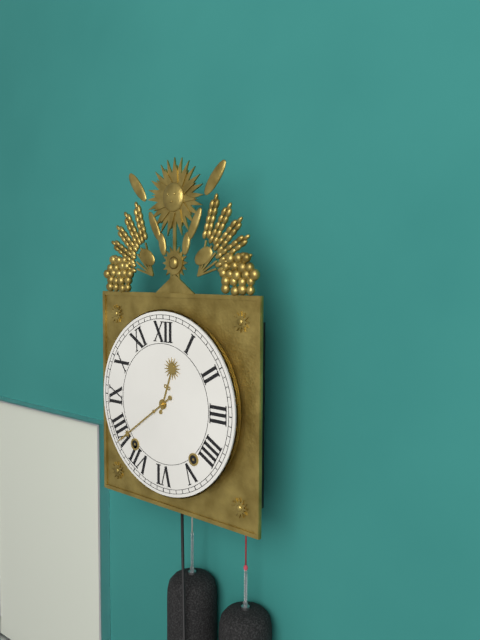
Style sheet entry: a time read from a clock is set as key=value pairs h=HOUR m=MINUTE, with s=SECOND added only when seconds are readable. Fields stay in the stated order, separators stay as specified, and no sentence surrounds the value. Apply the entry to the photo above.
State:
h=12 m=39
